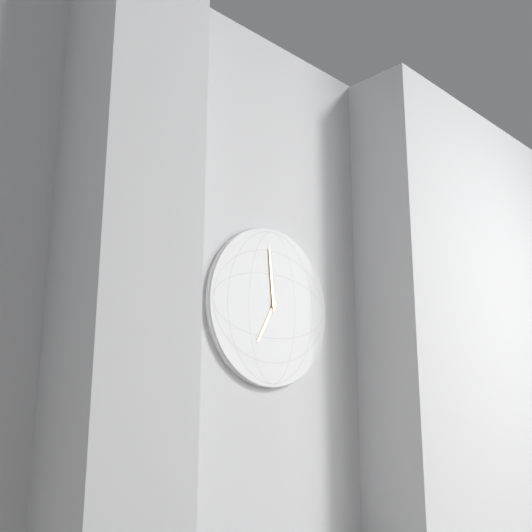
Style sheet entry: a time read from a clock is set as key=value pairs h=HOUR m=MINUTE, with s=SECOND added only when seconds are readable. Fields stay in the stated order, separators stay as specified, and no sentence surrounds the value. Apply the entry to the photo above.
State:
h=6 m=59
